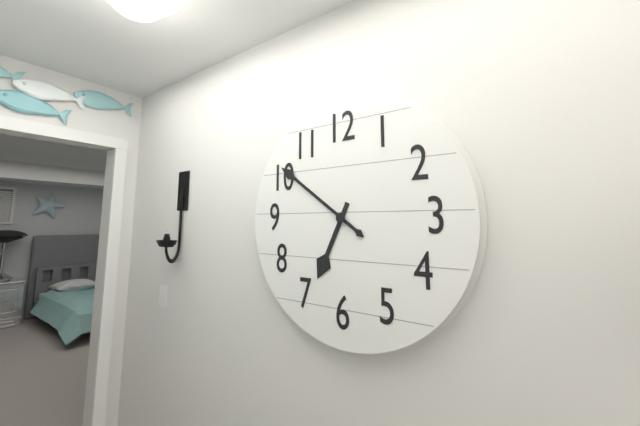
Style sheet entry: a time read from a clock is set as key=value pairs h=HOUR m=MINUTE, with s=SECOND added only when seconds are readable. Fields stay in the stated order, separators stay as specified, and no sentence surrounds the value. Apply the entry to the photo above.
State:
h=6 m=51
